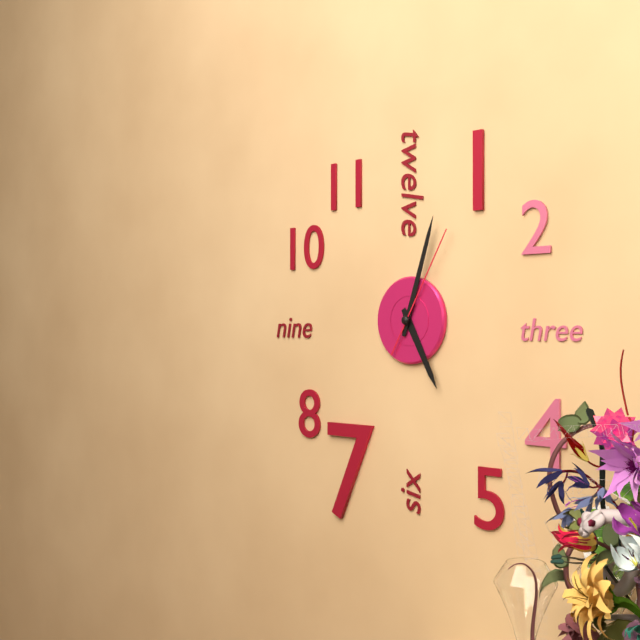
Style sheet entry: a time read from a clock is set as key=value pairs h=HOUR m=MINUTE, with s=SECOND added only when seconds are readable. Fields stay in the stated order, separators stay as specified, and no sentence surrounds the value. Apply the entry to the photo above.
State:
h=5 m=3 s=5
